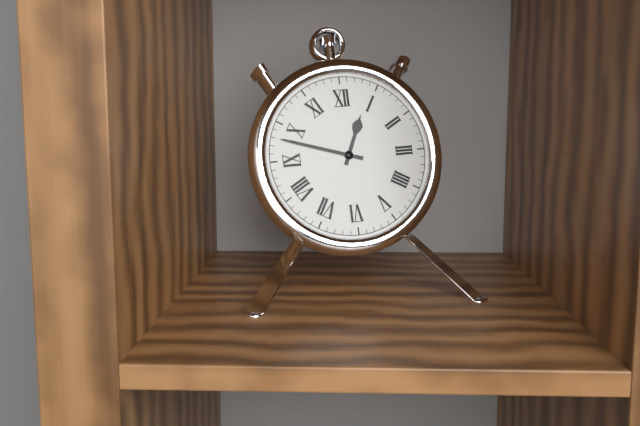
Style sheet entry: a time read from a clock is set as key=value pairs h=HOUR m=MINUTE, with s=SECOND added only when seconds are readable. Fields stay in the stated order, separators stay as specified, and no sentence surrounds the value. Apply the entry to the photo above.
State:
h=12 m=48
